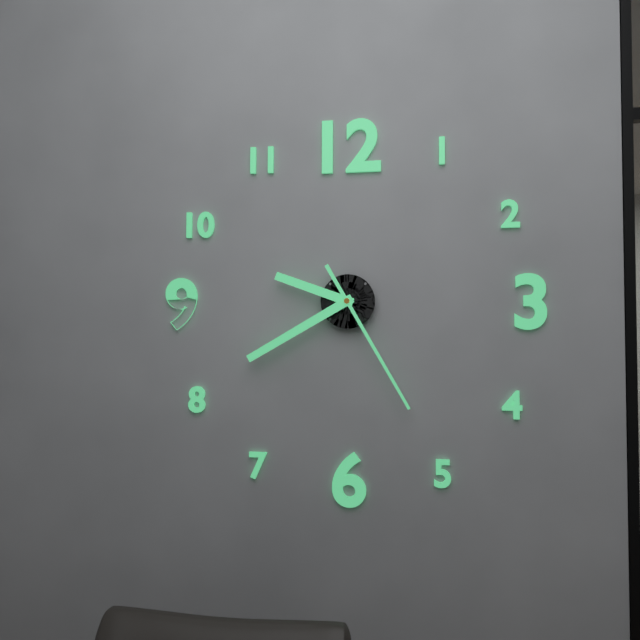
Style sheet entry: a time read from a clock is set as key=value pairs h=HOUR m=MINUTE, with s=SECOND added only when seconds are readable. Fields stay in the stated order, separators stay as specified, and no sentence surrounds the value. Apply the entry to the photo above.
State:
h=9 m=40 s=25
